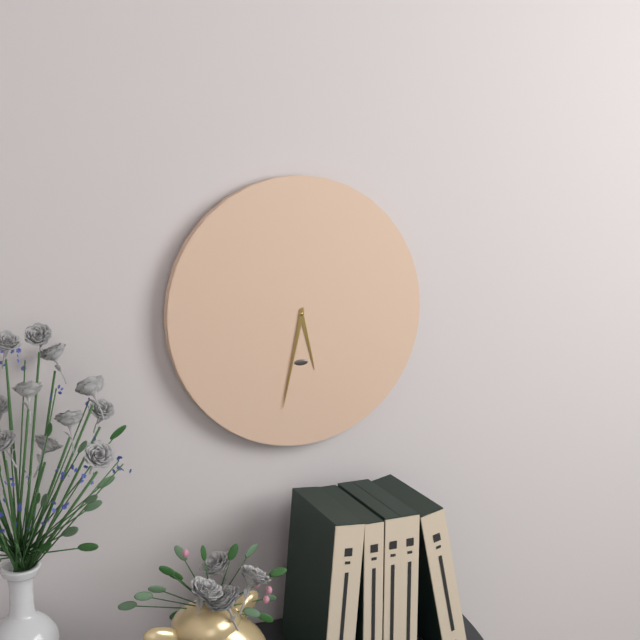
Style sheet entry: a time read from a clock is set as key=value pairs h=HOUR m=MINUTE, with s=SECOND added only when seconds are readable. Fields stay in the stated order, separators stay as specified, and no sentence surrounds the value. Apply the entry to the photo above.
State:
h=5 m=32
